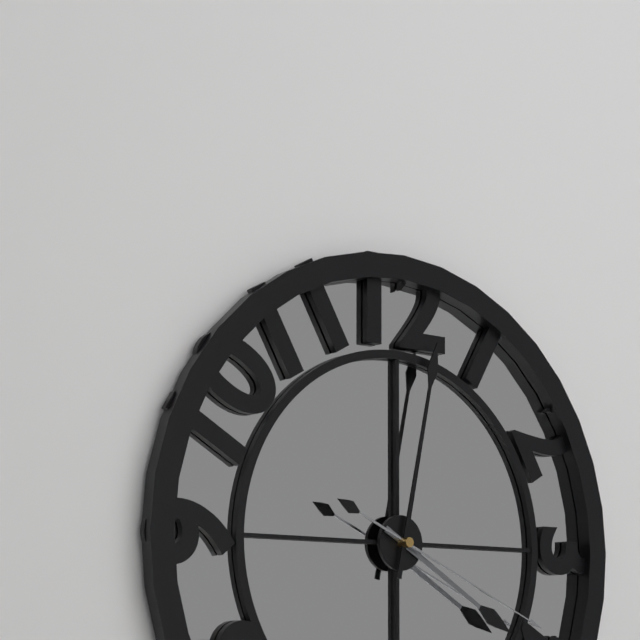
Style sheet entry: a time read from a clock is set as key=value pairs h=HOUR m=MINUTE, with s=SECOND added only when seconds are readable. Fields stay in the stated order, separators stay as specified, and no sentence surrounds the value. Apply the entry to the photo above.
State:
h=4 m=2 s=19
